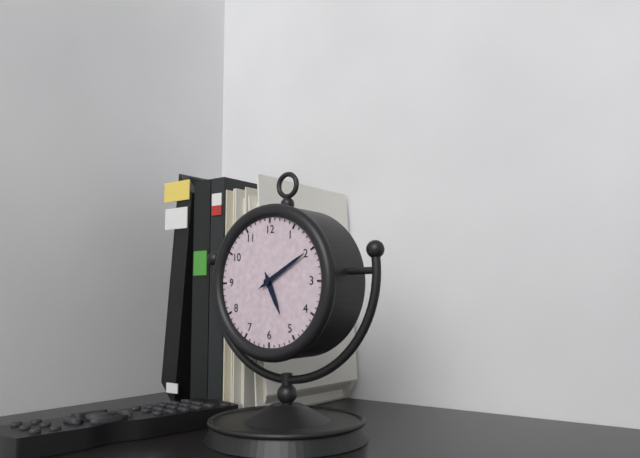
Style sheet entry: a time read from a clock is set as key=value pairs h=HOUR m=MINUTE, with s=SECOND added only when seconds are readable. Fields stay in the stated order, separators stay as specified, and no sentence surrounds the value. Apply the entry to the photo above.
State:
h=5 m=10
